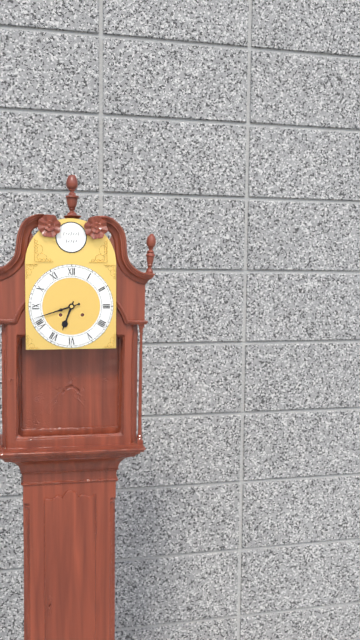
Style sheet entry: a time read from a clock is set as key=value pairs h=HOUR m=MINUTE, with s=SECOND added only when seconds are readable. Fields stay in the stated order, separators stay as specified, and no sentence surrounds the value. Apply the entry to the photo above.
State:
h=6 m=42
